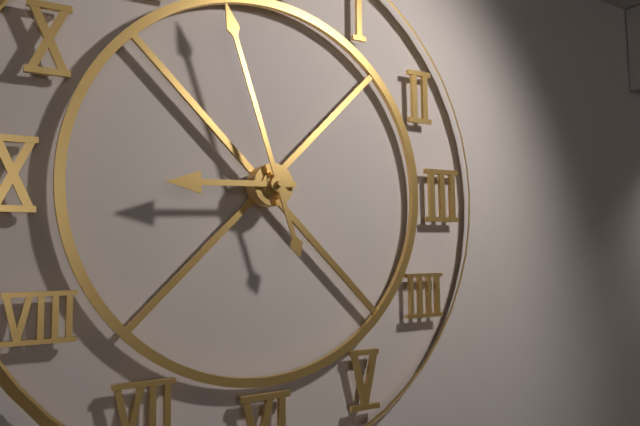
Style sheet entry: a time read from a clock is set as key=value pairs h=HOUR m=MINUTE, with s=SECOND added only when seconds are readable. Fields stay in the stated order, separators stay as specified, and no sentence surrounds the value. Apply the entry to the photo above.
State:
h=8 m=57
